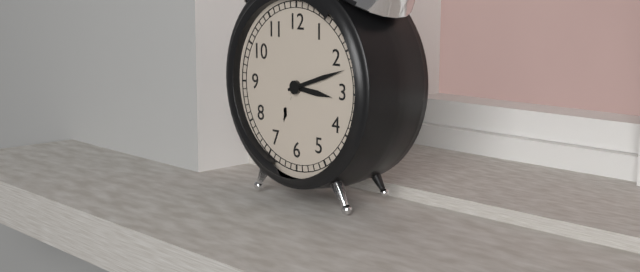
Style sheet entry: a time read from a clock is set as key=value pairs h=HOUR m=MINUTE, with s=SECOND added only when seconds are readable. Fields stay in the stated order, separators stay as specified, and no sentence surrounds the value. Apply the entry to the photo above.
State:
h=3 m=12
